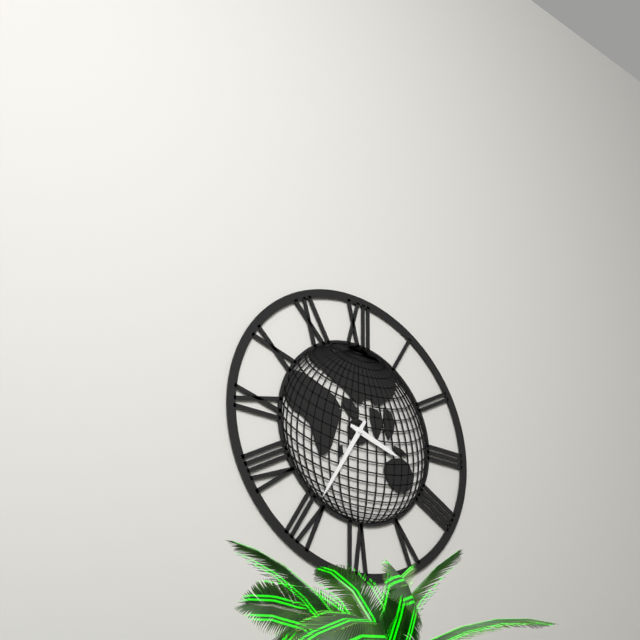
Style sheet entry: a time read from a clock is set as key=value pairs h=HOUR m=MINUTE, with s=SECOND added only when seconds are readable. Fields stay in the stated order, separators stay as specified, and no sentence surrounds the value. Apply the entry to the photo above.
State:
h=3 m=35
